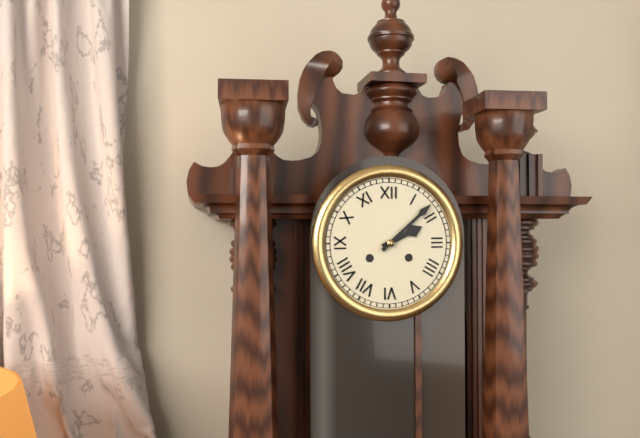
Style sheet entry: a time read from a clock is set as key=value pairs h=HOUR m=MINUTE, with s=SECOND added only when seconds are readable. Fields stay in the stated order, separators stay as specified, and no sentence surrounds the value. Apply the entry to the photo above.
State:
h=2 m=8
